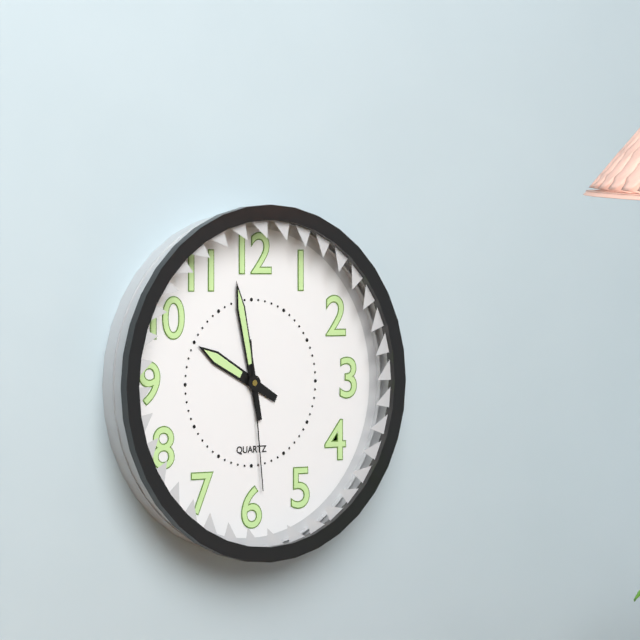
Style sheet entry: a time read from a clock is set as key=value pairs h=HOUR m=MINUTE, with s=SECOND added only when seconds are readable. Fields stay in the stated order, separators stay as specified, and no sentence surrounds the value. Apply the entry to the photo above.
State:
h=9 m=58 s=29
